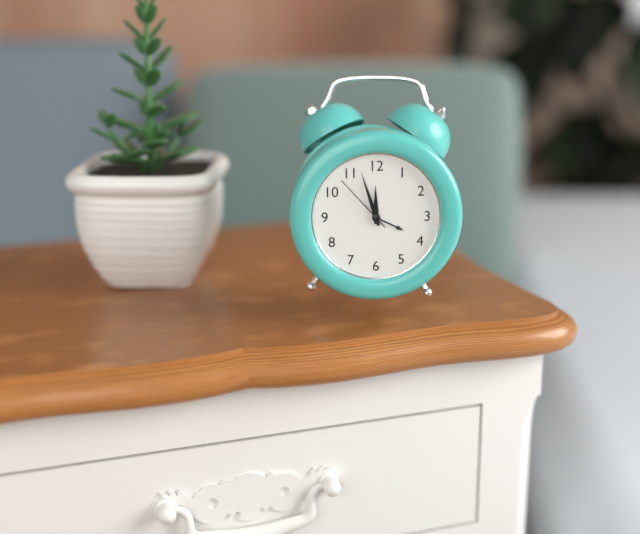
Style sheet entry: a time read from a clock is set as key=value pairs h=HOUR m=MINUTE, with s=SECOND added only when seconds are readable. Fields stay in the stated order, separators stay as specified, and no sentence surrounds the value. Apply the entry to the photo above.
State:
h=11 m=57 s=53
